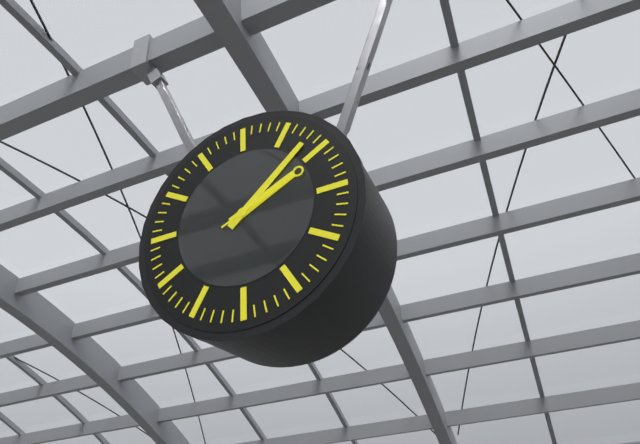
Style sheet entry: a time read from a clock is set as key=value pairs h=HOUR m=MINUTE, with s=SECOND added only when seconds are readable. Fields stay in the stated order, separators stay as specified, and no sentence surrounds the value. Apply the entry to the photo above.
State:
h=2 m=8 s=11
